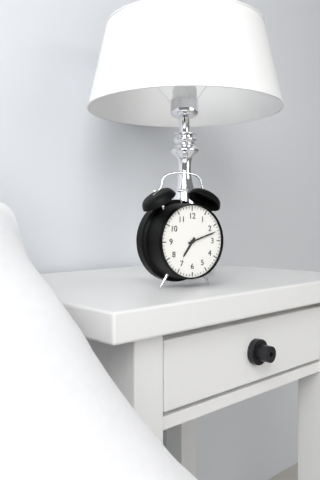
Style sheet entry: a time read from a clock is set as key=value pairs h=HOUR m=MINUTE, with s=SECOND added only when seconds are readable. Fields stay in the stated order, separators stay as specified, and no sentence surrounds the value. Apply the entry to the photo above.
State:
h=7 m=12
